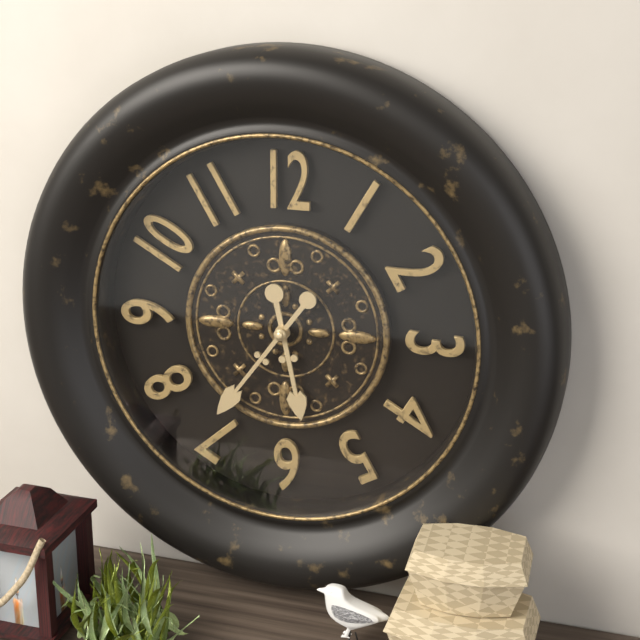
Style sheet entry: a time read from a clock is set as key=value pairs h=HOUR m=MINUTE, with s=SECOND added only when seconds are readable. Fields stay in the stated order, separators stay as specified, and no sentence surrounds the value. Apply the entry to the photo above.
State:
h=5 m=36
